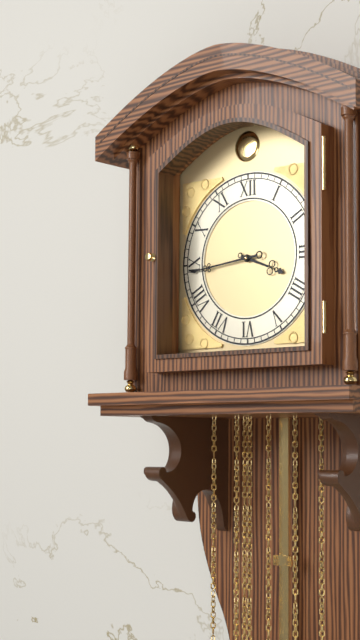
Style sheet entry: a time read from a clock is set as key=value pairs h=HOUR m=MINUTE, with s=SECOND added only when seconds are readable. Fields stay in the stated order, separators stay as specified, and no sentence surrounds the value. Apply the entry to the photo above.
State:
h=3 m=44
